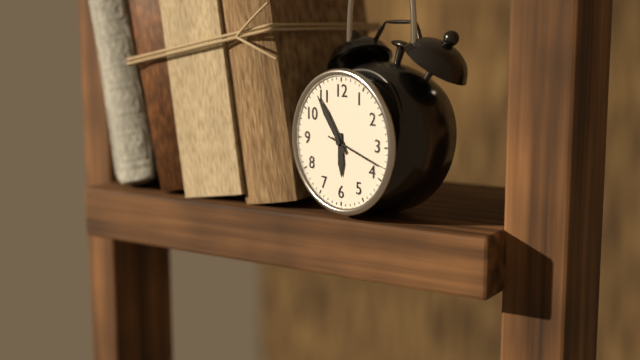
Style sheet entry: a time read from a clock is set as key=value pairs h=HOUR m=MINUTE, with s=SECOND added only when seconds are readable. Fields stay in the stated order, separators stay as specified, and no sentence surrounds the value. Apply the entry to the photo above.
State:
h=5 m=54 s=18
